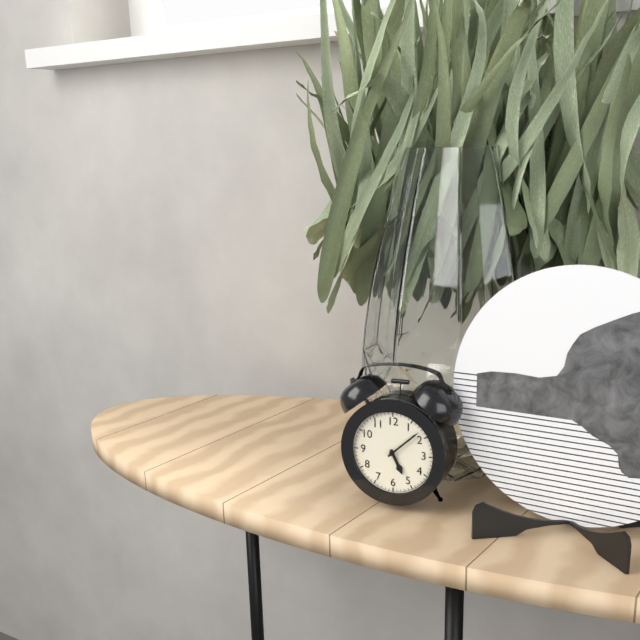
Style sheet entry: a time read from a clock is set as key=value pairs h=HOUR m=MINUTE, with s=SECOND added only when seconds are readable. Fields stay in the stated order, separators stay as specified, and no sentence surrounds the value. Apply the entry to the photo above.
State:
h=5 m=8
